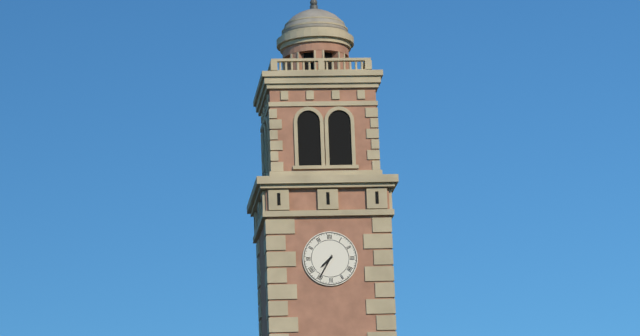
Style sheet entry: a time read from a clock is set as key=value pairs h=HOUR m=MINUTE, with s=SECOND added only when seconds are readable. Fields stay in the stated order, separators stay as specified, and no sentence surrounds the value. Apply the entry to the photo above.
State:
h=7 m=35
